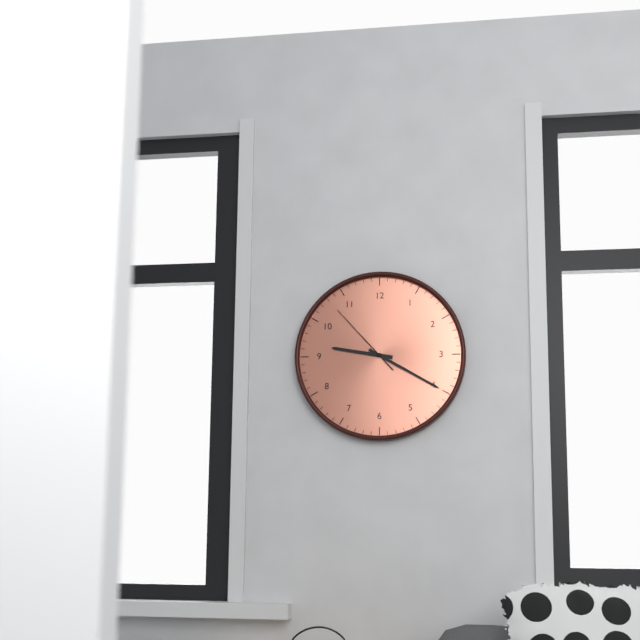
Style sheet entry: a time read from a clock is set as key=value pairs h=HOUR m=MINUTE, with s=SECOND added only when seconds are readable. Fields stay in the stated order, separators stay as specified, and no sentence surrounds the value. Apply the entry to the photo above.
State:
h=9 m=20 s=53
